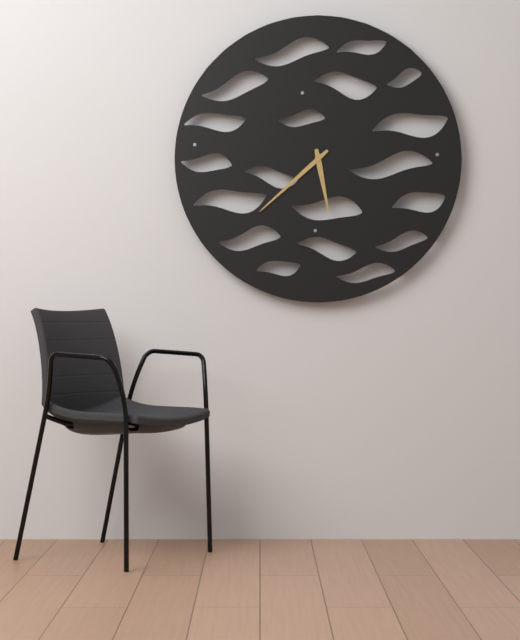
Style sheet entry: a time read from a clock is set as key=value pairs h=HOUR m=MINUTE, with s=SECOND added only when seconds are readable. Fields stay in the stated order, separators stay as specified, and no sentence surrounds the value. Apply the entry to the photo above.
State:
h=5 m=38
